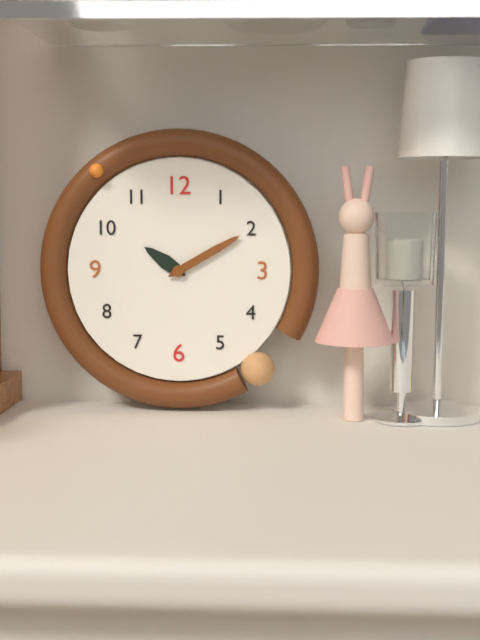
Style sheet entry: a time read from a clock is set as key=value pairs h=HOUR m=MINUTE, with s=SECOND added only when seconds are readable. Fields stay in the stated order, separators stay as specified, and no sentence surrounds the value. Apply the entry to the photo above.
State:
h=10 m=10
